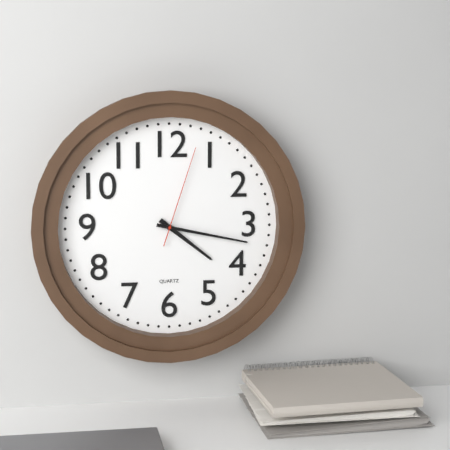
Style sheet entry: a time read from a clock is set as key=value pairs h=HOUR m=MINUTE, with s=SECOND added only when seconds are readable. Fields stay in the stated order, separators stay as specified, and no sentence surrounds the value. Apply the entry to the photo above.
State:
h=4 m=17 s=3
